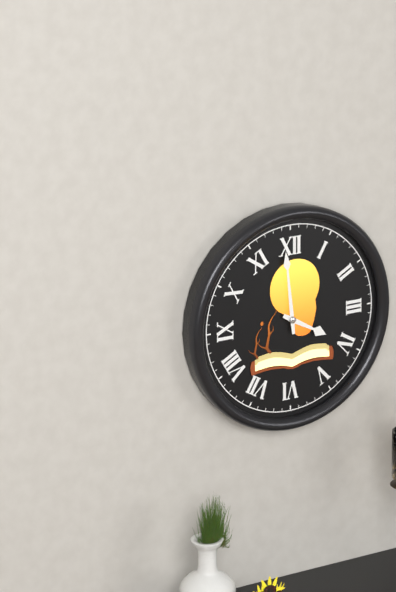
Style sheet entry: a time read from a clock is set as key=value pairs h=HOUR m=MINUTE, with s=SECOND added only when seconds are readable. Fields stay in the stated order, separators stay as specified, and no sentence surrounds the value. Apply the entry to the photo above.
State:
h=3 m=59
